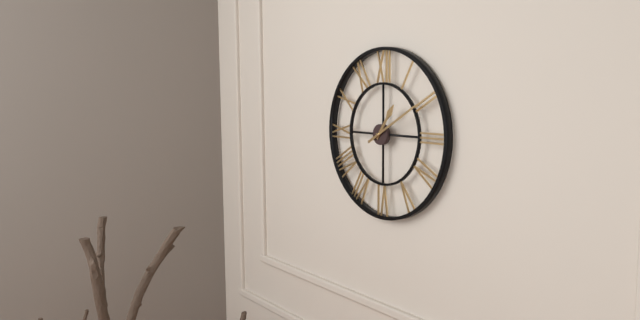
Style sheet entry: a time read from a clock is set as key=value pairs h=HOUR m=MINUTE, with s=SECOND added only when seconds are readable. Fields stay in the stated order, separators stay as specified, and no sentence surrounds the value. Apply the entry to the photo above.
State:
h=1 m=10
